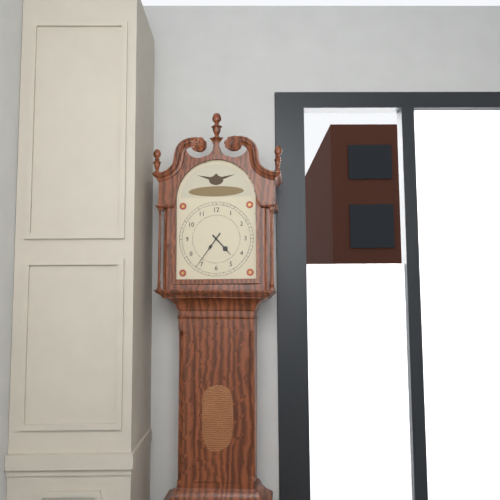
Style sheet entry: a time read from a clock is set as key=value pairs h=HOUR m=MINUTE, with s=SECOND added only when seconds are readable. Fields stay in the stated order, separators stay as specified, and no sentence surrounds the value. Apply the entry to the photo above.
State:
h=4 m=36
